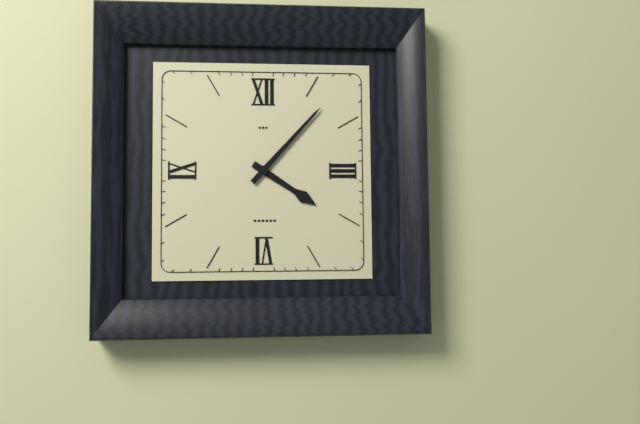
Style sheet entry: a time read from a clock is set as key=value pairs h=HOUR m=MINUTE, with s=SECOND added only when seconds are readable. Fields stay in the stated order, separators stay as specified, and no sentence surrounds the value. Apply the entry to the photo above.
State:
h=4 m=7
